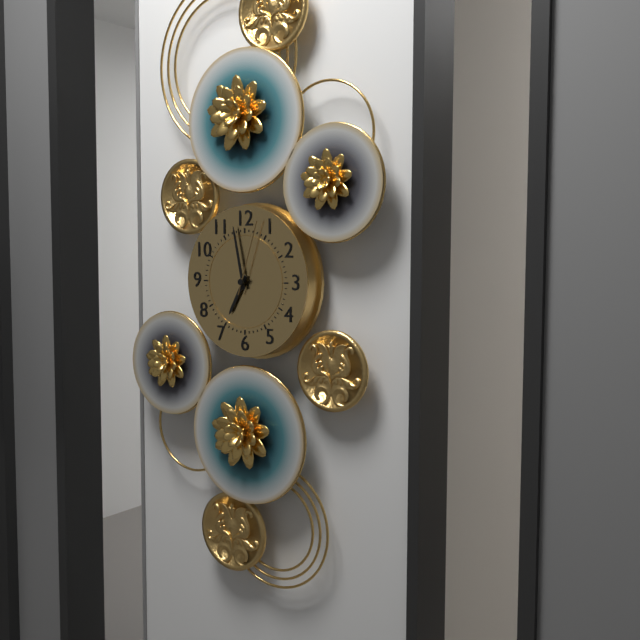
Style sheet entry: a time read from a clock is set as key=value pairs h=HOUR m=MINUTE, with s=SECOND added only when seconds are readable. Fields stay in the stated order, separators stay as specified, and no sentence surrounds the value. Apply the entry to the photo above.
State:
h=6 m=58 s=3
